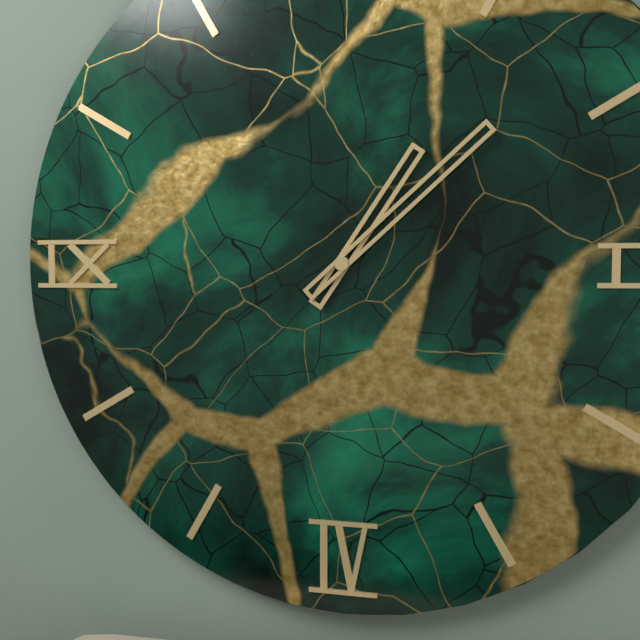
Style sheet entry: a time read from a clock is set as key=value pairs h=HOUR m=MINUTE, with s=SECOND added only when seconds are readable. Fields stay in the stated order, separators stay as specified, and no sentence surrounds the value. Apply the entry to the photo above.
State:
h=1 m=8
